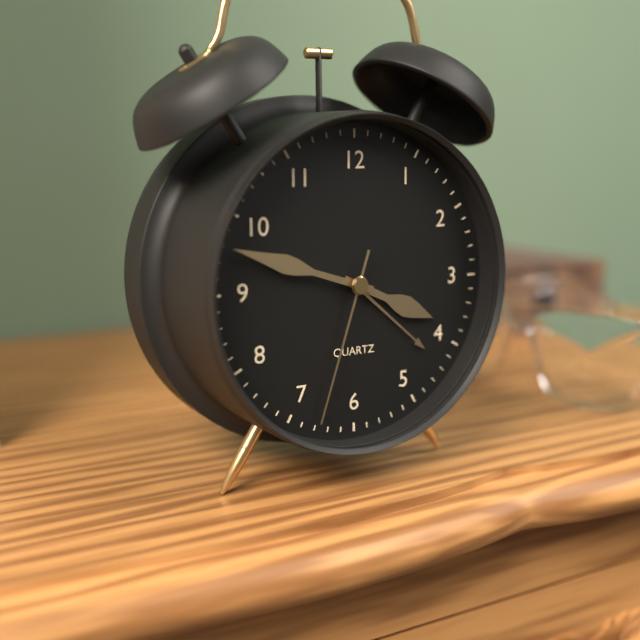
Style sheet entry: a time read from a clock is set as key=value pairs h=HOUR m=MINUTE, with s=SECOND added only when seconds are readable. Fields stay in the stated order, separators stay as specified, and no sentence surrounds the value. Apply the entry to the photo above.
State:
h=3 m=48 s=33
